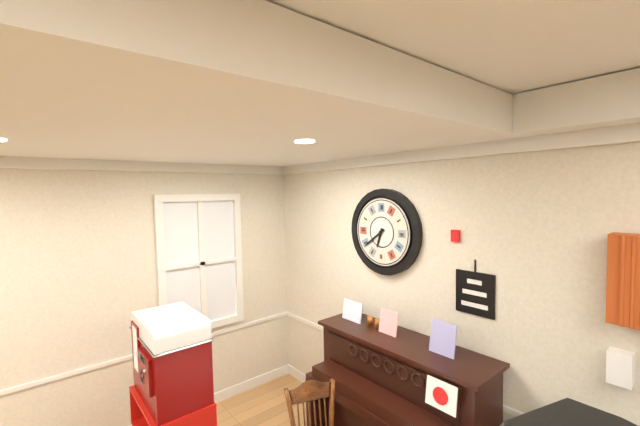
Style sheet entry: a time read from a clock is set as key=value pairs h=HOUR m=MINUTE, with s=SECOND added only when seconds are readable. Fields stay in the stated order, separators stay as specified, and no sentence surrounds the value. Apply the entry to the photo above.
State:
h=6 m=39
